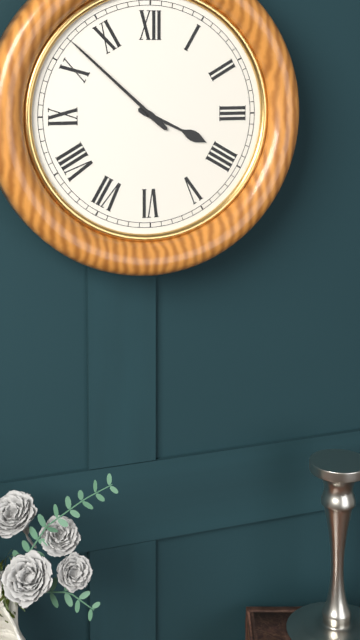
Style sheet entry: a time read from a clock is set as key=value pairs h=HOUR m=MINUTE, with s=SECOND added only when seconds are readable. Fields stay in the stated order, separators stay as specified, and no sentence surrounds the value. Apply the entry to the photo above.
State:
h=3 m=52
